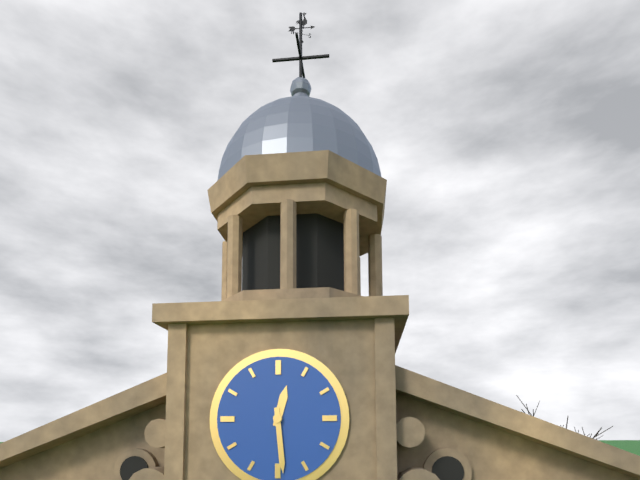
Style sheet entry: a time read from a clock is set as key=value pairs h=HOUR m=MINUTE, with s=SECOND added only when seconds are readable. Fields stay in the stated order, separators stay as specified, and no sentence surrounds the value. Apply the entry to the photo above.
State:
h=12 m=29
